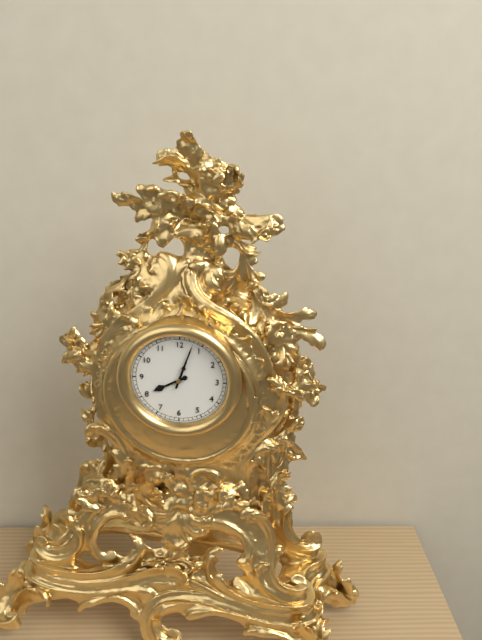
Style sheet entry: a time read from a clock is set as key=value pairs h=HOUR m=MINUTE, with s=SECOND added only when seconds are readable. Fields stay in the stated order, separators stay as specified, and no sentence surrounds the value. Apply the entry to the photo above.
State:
h=8 m=3
